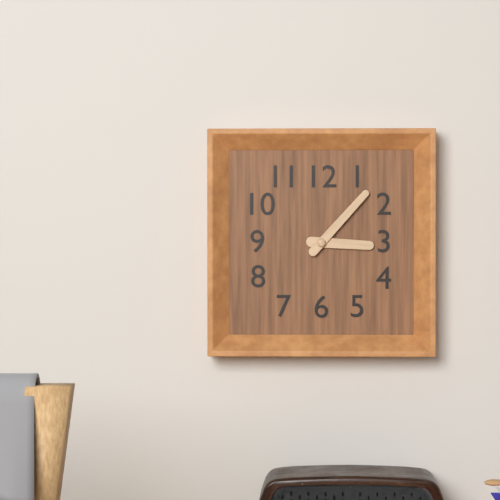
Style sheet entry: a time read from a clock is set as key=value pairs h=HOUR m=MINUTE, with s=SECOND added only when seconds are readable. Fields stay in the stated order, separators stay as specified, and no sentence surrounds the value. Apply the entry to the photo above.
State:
h=3 m=7
